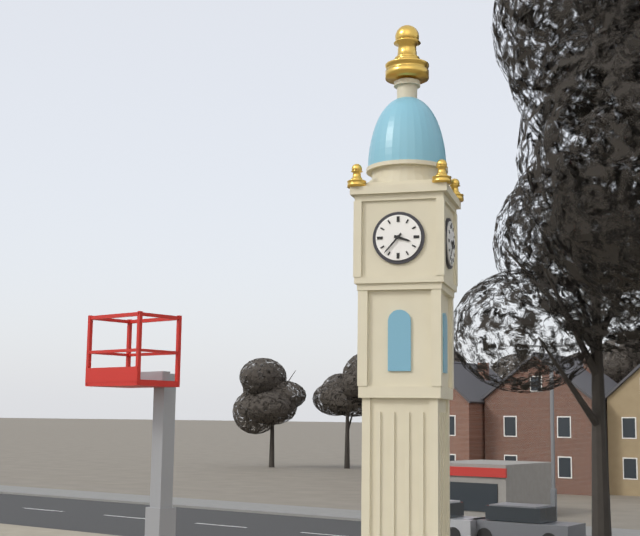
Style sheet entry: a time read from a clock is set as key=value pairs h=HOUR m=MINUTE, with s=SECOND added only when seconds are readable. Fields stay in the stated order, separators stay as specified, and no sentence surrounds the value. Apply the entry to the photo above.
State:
h=3 m=37
